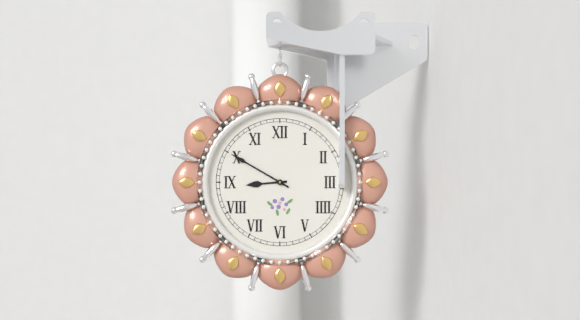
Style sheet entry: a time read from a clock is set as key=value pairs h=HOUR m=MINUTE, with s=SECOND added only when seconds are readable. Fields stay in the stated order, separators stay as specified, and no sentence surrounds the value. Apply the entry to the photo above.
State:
h=8 m=50
